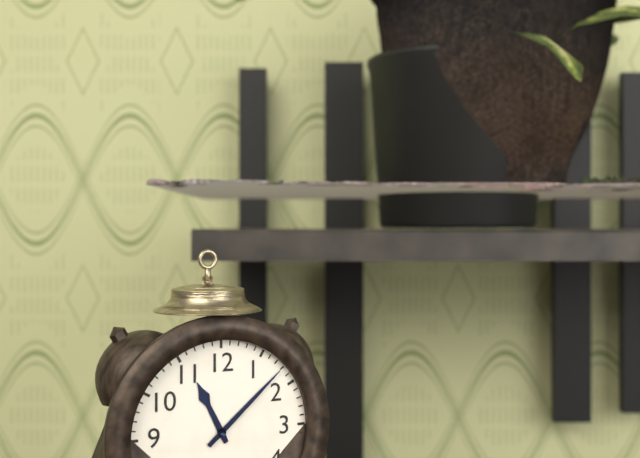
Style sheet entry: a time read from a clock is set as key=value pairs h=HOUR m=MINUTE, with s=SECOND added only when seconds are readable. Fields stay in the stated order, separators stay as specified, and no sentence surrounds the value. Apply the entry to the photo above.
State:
h=11 m=8
